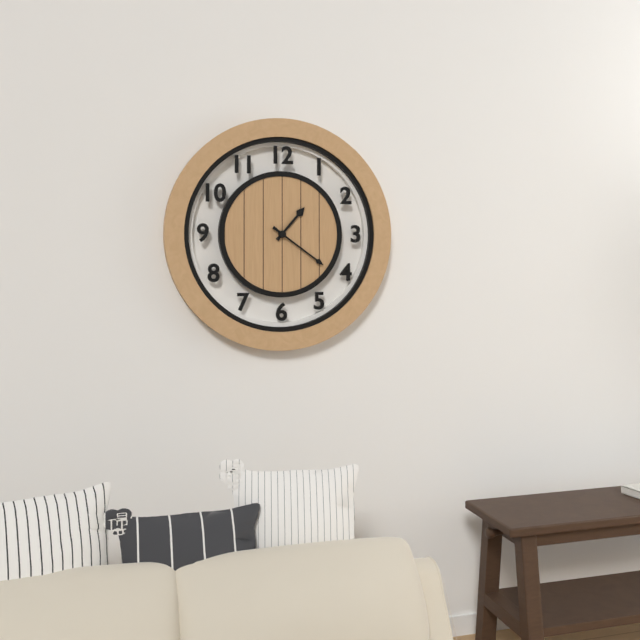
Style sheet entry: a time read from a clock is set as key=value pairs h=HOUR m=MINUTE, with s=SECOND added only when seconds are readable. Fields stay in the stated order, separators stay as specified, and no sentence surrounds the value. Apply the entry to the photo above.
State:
h=1 m=21
